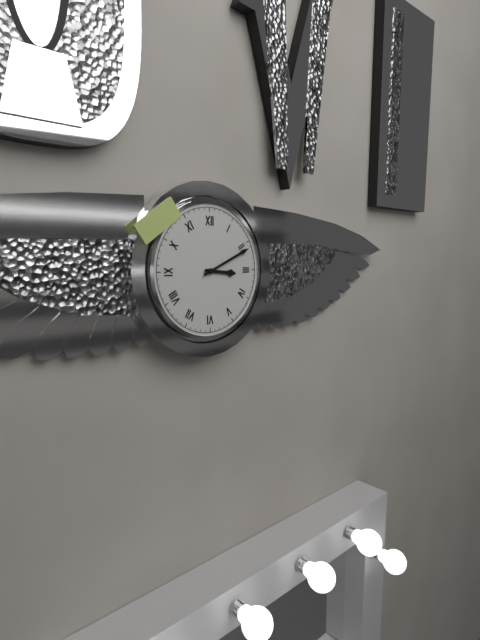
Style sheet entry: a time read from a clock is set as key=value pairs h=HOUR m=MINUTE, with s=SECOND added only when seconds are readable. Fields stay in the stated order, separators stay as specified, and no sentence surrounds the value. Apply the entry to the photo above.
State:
h=3 m=11
